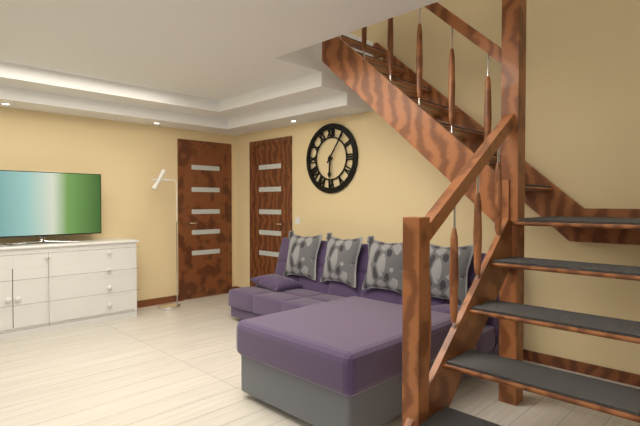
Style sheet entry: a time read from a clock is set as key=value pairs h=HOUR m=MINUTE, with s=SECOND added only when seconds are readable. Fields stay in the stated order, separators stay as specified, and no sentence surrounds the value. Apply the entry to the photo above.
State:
h=6 m=6
